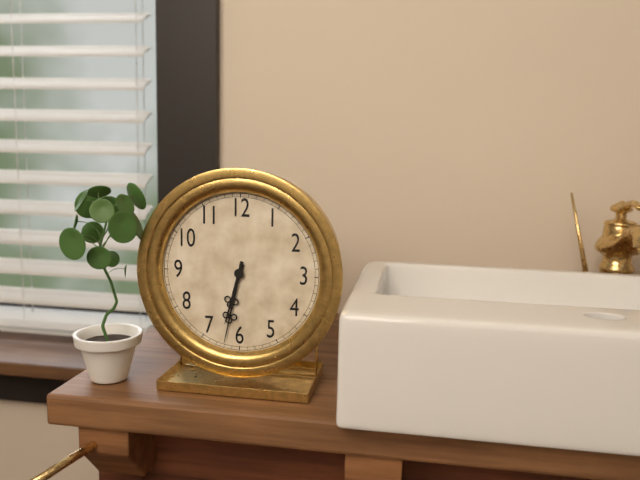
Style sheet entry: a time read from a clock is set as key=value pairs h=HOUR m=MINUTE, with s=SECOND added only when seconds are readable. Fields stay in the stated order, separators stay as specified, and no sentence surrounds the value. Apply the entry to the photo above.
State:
h=6 m=32
